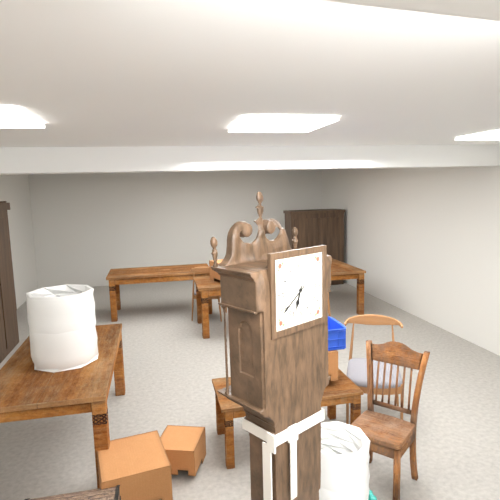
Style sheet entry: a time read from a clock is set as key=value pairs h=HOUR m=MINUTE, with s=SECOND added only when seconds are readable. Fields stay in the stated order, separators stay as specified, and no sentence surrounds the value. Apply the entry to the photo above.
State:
h=6 m=39
